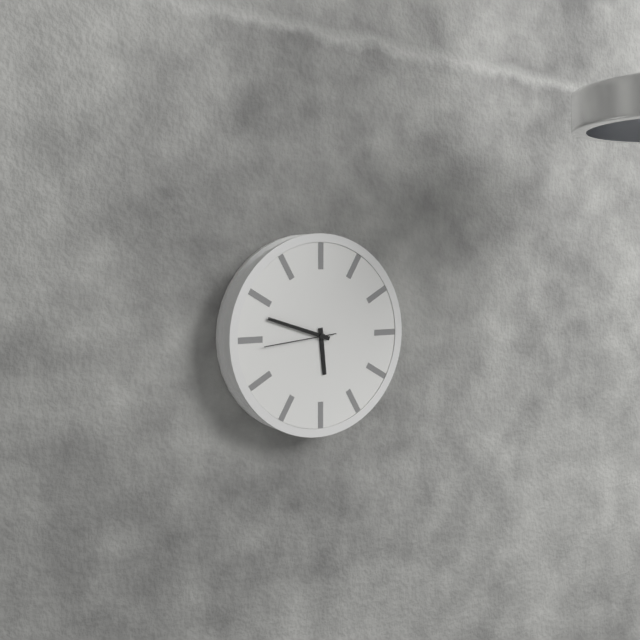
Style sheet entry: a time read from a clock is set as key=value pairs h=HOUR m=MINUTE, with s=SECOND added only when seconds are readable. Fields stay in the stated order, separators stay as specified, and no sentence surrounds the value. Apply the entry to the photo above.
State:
h=5 m=48 s=44
